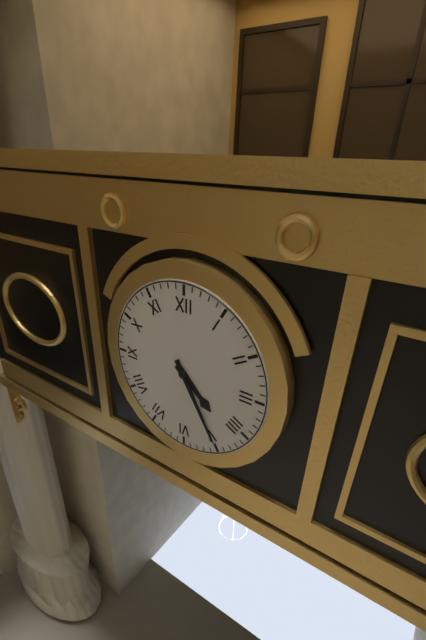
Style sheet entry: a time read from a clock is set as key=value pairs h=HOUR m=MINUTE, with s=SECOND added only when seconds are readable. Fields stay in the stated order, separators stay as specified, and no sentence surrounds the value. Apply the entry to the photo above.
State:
h=4 m=25
